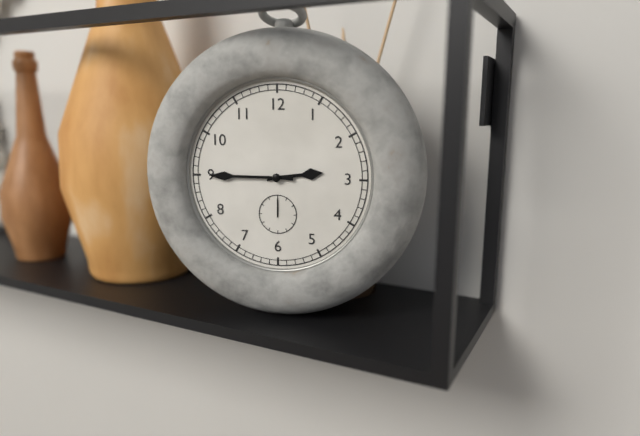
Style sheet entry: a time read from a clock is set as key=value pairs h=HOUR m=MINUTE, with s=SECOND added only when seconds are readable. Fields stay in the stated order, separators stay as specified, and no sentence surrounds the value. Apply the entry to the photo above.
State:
h=2 m=45
